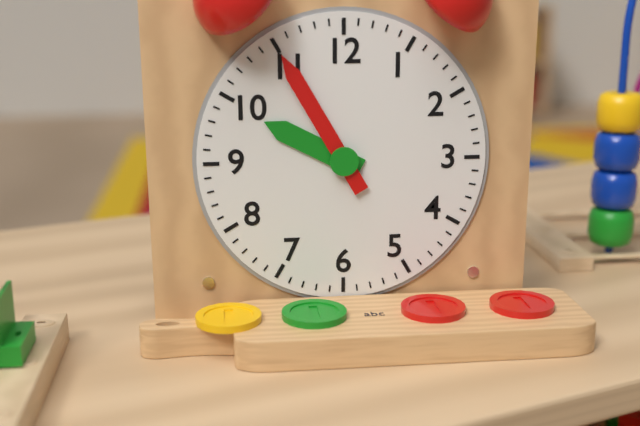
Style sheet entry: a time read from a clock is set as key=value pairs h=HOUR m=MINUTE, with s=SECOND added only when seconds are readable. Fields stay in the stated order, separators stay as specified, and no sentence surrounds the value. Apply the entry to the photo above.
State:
h=9 m=55
